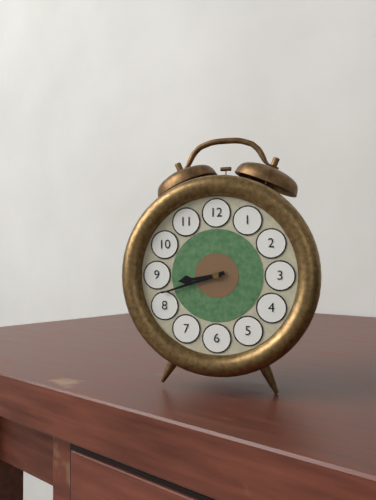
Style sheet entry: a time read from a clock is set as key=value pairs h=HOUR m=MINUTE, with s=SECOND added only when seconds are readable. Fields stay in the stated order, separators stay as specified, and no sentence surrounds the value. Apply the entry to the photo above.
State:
h=8 m=42
